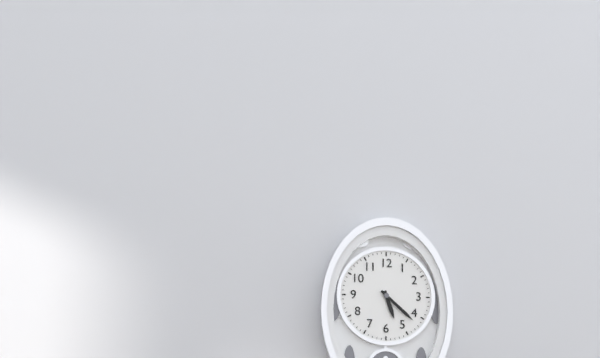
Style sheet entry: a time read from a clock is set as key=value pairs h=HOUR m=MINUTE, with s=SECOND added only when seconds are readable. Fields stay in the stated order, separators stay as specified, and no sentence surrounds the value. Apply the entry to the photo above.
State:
h=5 m=22
